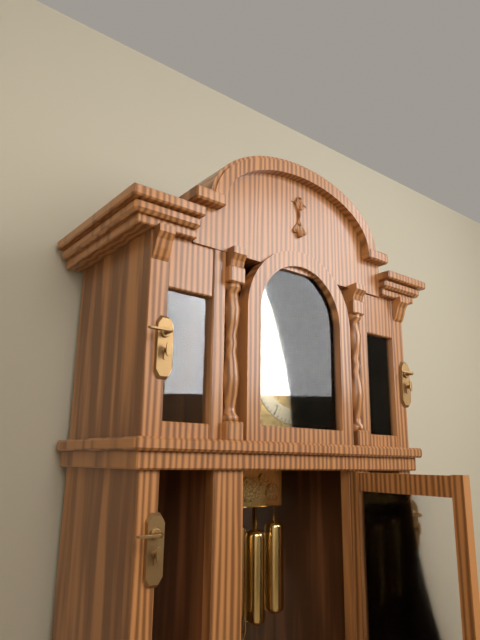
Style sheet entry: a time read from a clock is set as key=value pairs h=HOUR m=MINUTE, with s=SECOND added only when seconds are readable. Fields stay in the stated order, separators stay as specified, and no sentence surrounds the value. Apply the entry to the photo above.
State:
h=8 m=47
